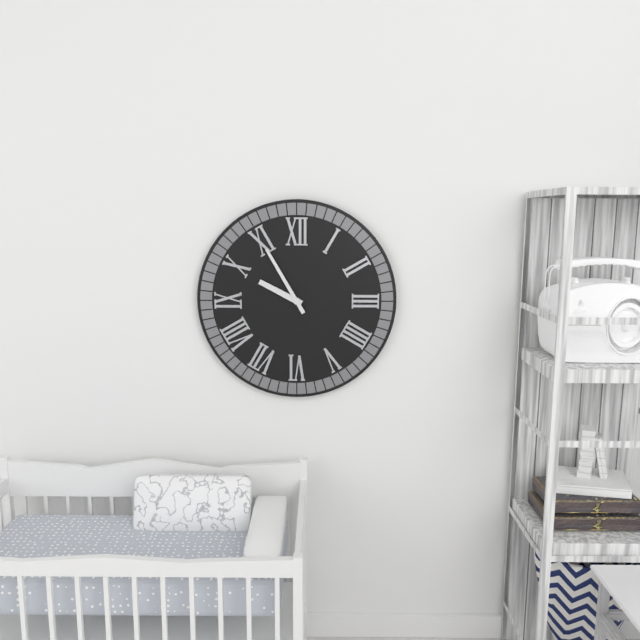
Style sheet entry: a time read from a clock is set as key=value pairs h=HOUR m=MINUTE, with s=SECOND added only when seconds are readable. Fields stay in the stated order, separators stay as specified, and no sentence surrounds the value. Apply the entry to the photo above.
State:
h=9 m=55
